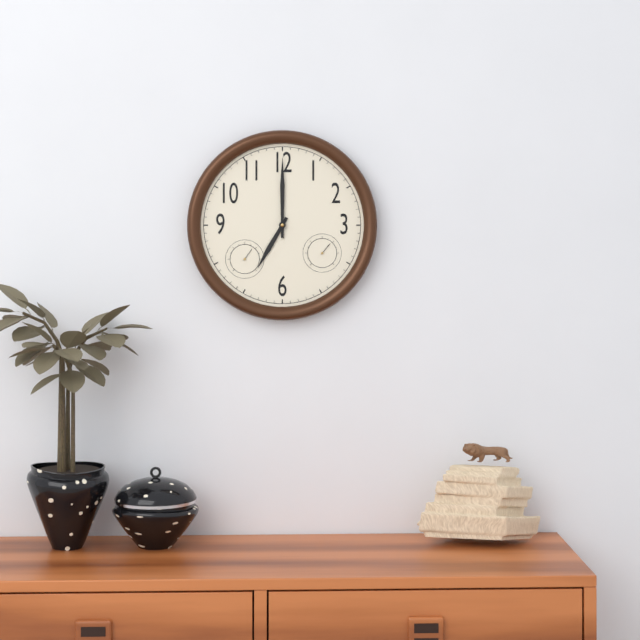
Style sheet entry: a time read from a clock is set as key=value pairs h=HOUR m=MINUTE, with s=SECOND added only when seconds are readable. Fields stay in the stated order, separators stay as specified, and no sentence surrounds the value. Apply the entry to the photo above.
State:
h=7 m=0
